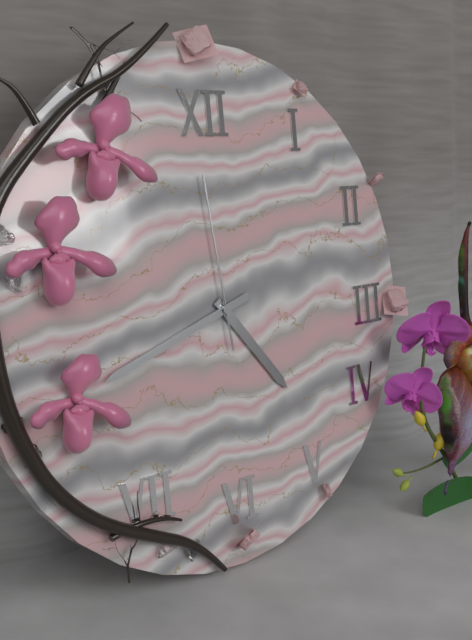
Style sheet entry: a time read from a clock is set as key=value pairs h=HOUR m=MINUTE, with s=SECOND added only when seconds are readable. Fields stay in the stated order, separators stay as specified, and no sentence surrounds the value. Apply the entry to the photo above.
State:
h=4 m=42 s=59
